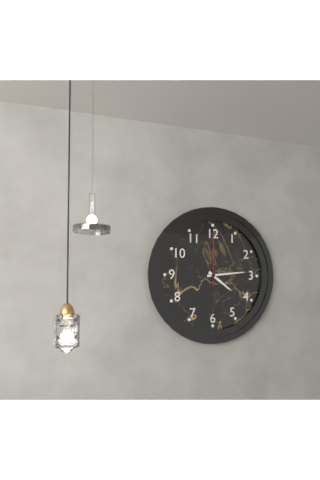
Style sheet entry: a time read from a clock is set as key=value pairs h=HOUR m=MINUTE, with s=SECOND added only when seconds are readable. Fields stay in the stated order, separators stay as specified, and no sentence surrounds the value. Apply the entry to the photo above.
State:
h=4 m=14
